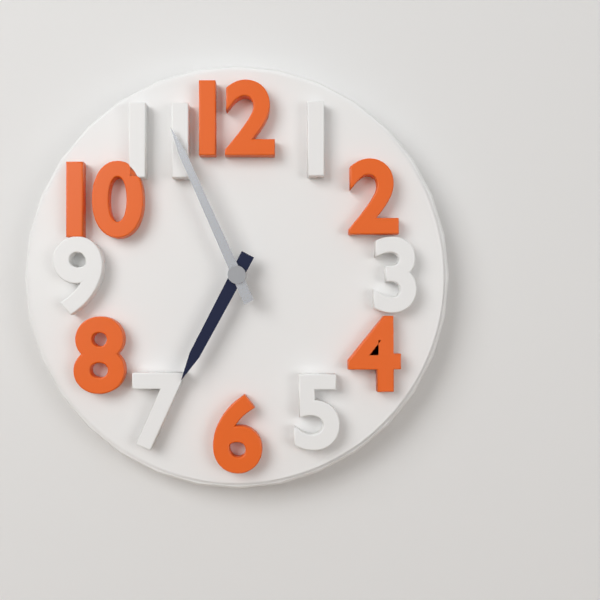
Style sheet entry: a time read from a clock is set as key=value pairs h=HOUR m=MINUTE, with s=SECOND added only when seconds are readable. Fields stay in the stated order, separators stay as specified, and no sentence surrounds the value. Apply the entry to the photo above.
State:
h=6 m=56
